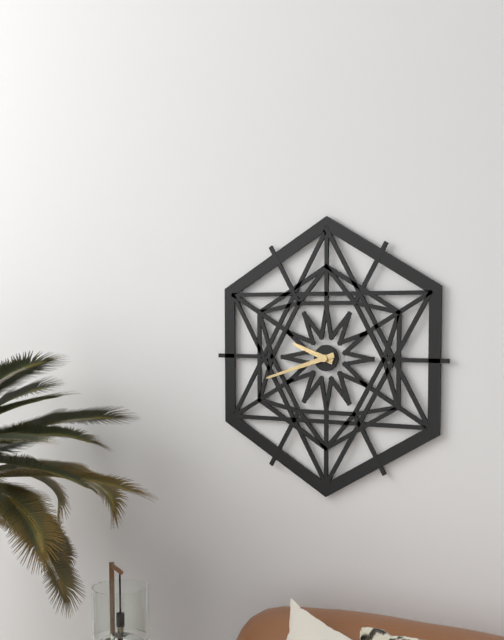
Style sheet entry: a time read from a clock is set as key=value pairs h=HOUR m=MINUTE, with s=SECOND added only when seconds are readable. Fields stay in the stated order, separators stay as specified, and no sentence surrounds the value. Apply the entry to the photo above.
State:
h=9 m=42
